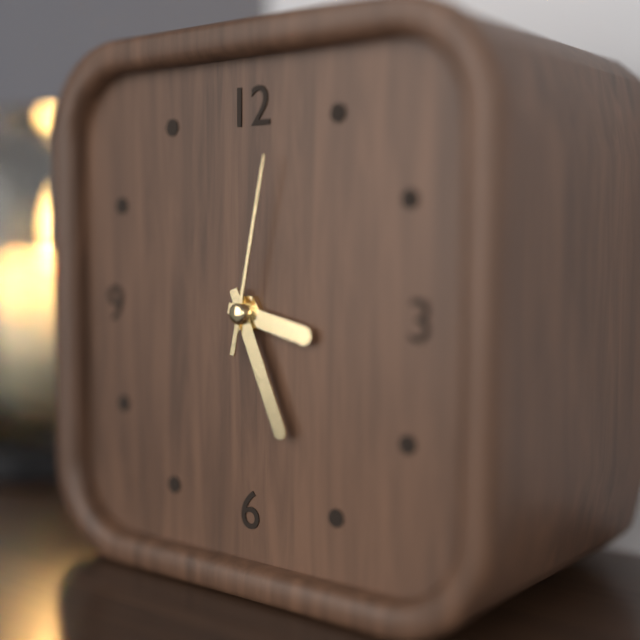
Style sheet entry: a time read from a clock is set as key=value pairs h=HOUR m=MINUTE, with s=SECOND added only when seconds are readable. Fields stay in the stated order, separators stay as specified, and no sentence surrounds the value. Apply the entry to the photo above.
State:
h=3 m=26 s=2
